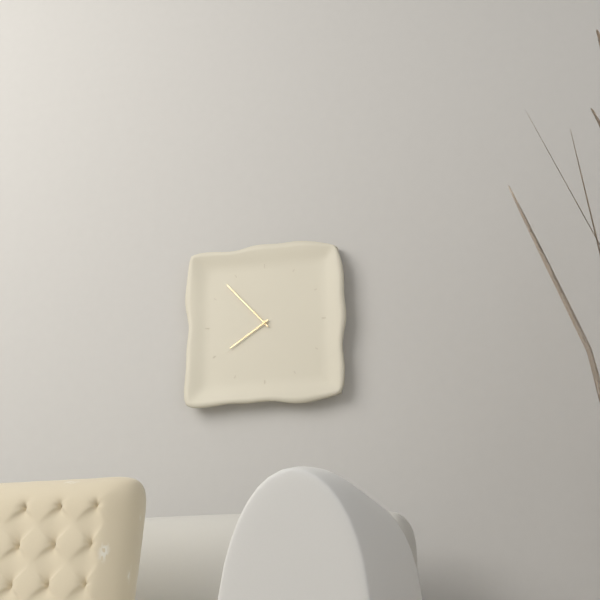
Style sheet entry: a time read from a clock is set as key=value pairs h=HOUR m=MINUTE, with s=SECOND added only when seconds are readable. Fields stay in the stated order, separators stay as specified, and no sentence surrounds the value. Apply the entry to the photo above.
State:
h=7 m=53
